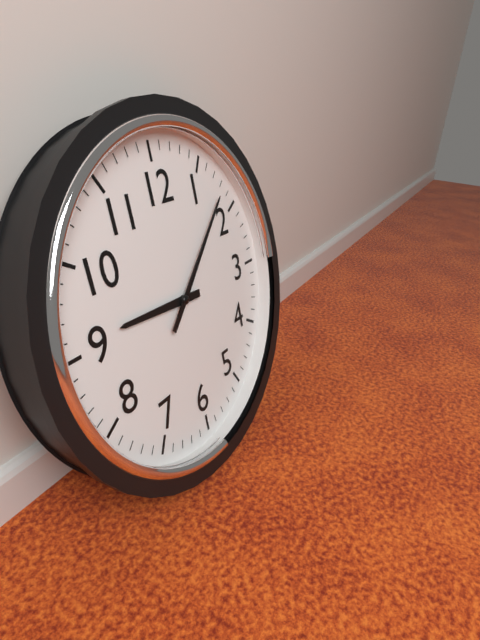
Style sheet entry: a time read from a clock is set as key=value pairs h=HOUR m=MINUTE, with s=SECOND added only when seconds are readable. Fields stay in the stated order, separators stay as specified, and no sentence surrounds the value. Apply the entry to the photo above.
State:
h=9 m=8
